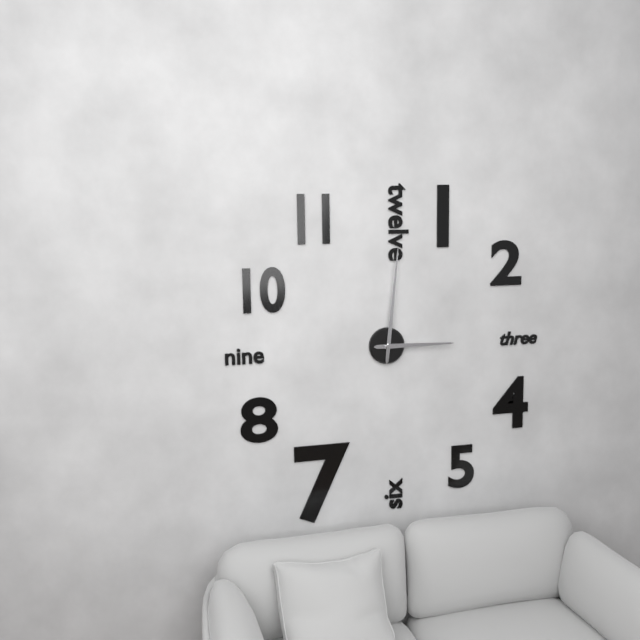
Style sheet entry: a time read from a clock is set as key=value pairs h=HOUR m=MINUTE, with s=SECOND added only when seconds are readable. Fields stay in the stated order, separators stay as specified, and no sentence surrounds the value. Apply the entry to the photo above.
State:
h=3 m=1
